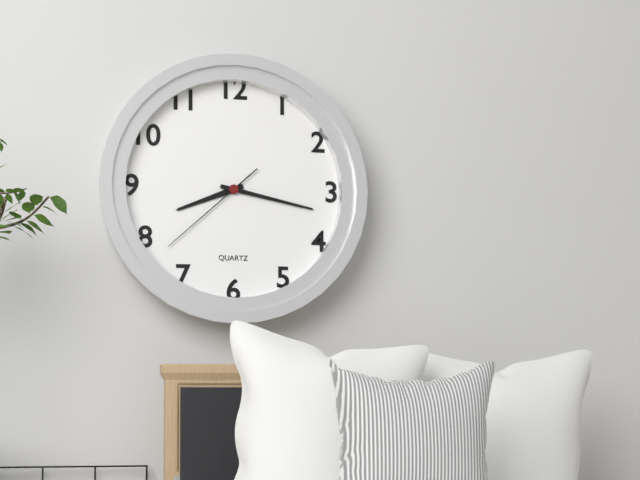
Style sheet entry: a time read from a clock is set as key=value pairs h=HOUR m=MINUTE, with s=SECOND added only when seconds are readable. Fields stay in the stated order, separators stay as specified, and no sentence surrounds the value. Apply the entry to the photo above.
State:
h=8 m=17 s=38
